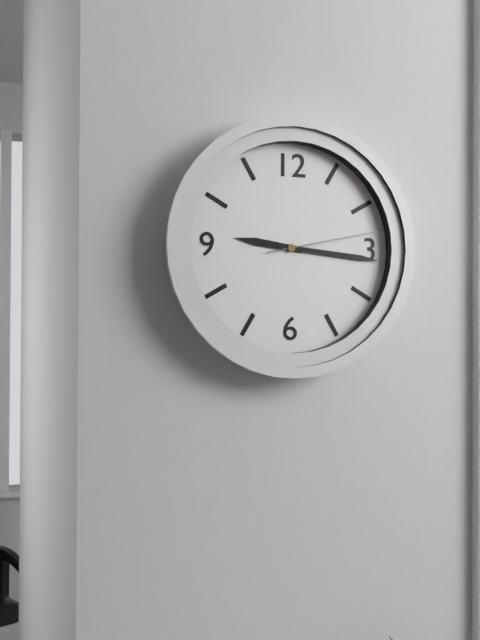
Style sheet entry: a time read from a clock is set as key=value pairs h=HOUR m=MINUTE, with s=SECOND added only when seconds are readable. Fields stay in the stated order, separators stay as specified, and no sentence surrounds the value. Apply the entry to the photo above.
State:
h=9 m=16 s=13
